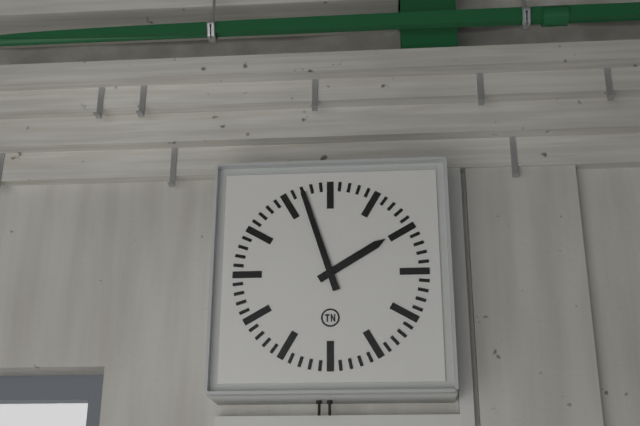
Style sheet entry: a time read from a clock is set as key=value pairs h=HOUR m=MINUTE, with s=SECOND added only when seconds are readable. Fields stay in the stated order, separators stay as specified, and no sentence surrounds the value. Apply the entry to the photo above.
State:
h=1 m=57
